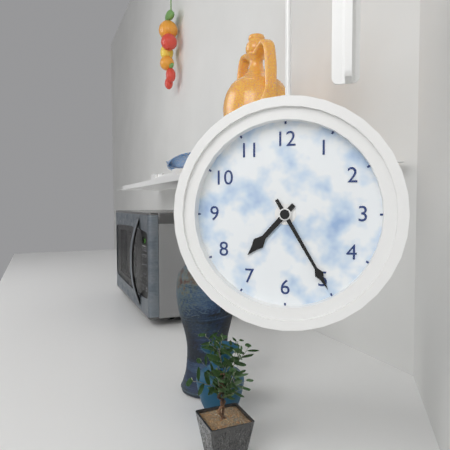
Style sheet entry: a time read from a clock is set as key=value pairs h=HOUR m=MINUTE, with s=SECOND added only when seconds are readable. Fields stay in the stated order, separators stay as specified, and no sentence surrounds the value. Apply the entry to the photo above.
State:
h=7 m=25
